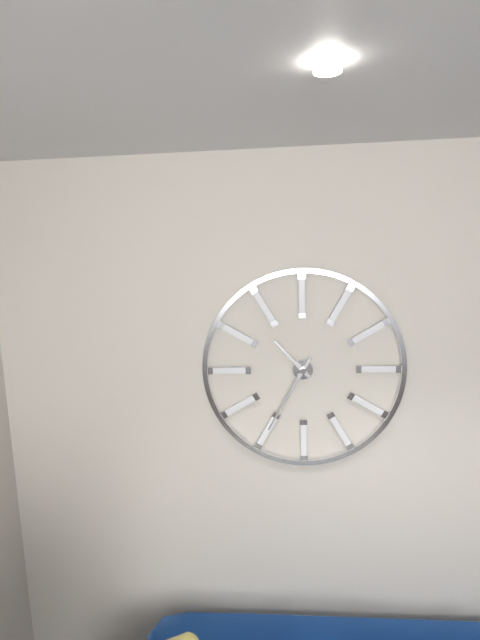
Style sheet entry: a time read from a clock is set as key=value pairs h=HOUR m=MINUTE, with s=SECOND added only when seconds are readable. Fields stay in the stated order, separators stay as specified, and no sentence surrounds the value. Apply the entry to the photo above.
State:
h=10 m=35
